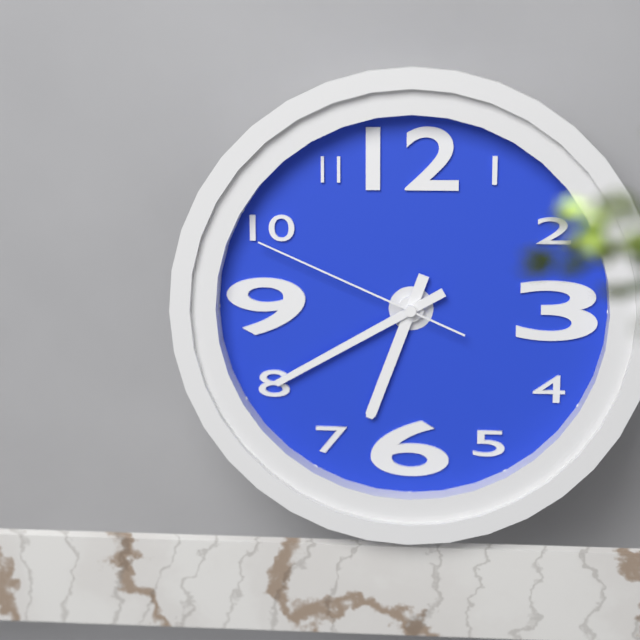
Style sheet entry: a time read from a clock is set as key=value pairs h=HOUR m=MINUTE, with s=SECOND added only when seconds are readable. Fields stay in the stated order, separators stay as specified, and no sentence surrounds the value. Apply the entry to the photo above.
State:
h=6 m=40 s=49
